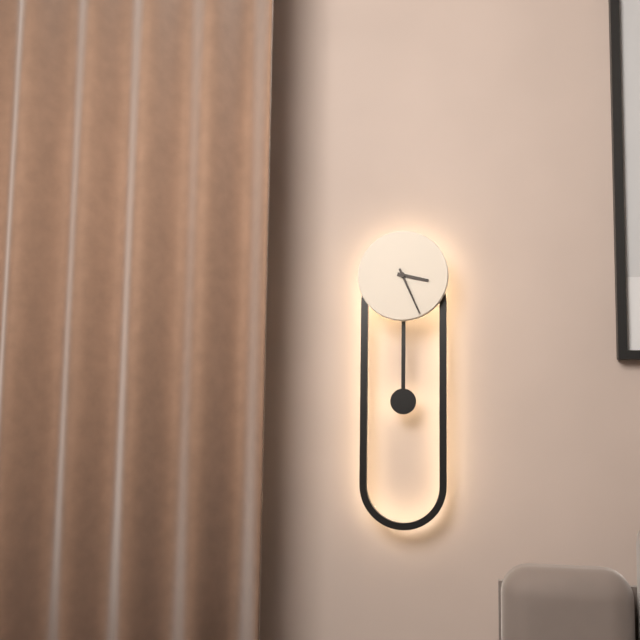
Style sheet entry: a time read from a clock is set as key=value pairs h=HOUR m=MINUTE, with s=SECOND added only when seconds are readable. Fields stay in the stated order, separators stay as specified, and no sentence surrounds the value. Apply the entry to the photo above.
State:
h=3 m=26
